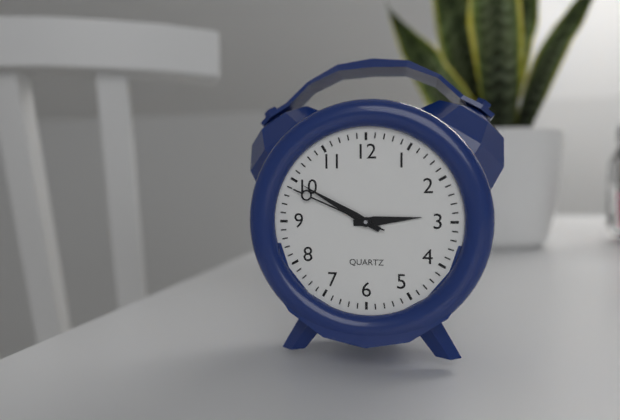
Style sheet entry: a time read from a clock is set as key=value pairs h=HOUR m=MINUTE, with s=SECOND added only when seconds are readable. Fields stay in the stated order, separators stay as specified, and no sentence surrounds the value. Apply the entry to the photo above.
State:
h=2 m=50 s=49
